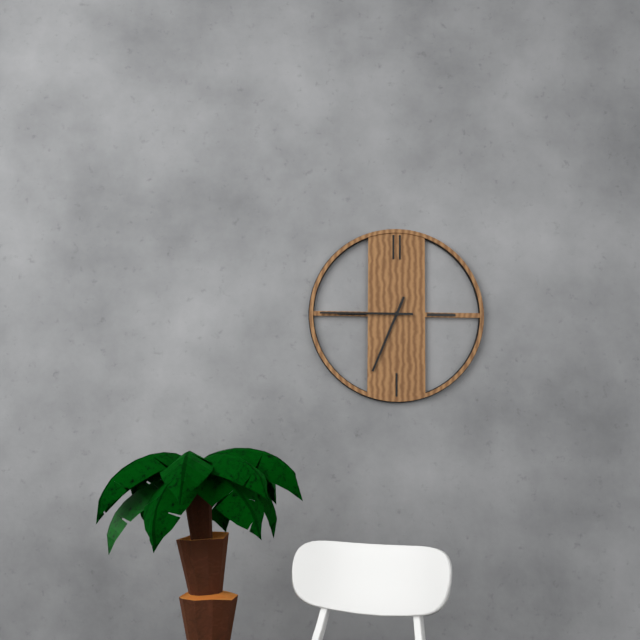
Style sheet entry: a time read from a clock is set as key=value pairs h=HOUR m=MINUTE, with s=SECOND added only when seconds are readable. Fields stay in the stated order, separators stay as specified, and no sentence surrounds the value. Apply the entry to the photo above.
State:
h=6 m=45
